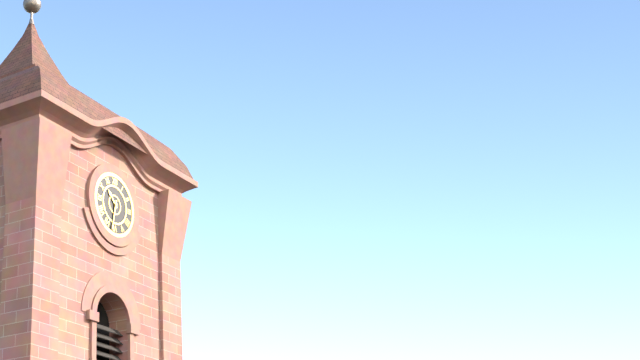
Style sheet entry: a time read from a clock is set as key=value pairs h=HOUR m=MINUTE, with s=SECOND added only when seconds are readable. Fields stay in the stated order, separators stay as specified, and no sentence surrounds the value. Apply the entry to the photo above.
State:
h=10 m=32
